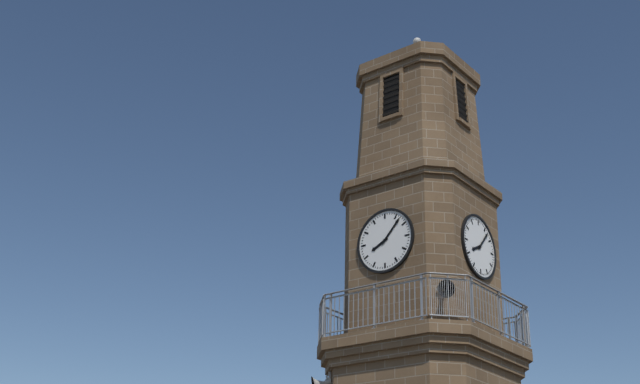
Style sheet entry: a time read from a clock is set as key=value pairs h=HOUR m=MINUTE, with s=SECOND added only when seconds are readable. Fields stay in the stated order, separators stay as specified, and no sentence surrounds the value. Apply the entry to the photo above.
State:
h=8 m=7
